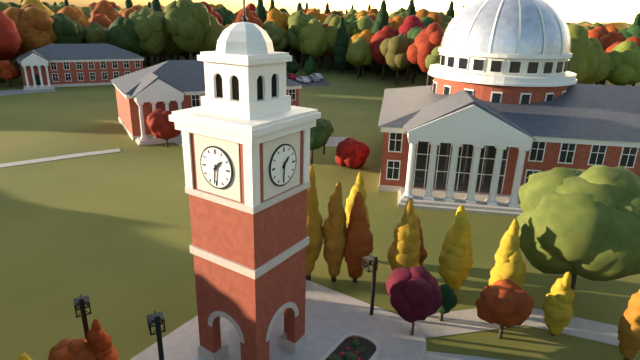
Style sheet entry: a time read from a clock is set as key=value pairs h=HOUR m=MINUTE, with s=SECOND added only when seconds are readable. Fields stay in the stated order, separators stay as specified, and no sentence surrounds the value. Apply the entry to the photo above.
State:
h=1 m=31
